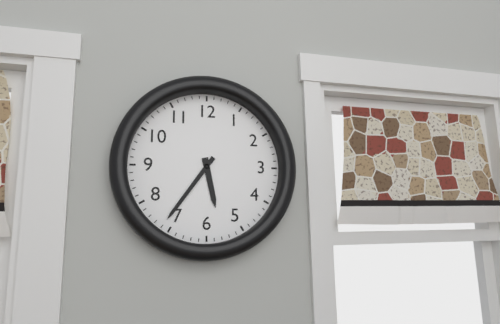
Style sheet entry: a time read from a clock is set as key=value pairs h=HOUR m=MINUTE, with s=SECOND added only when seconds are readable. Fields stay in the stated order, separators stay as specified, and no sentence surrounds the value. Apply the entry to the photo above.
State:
h=5 m=36
